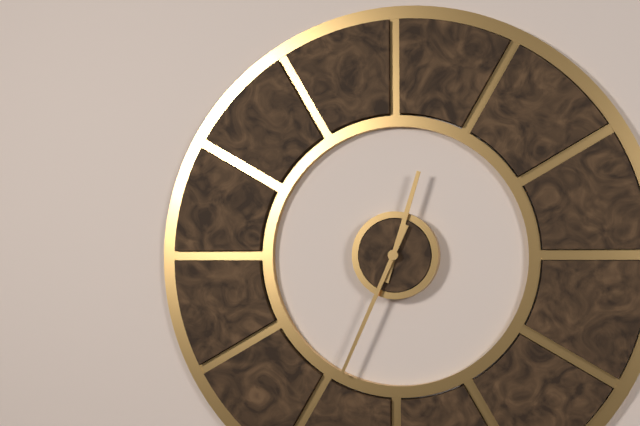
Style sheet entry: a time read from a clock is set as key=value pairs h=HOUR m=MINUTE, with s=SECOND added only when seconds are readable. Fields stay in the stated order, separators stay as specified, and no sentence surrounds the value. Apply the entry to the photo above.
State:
h=12 m=34
